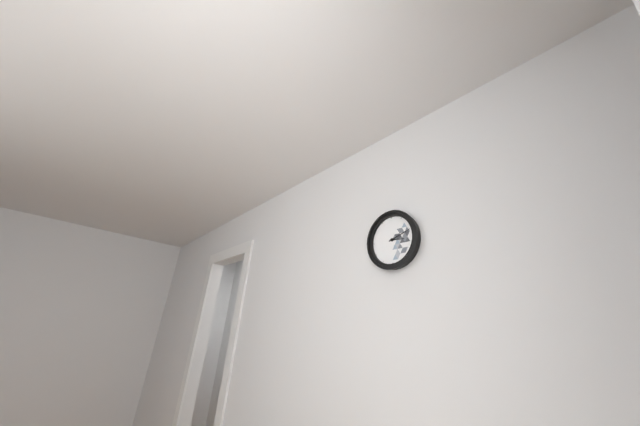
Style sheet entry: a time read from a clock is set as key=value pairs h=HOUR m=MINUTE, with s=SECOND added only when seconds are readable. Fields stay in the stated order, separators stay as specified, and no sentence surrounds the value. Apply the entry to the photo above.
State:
h=3 m=12
